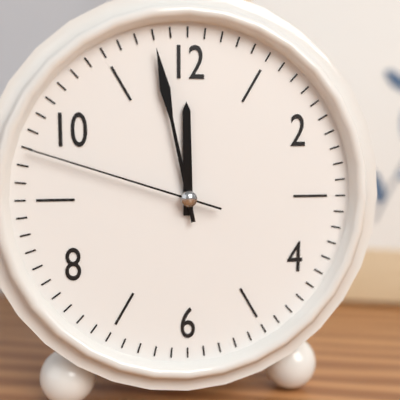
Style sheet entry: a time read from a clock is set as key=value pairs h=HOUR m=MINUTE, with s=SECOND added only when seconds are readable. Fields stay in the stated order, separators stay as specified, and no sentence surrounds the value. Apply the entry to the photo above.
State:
h=11 m=58 s=48
